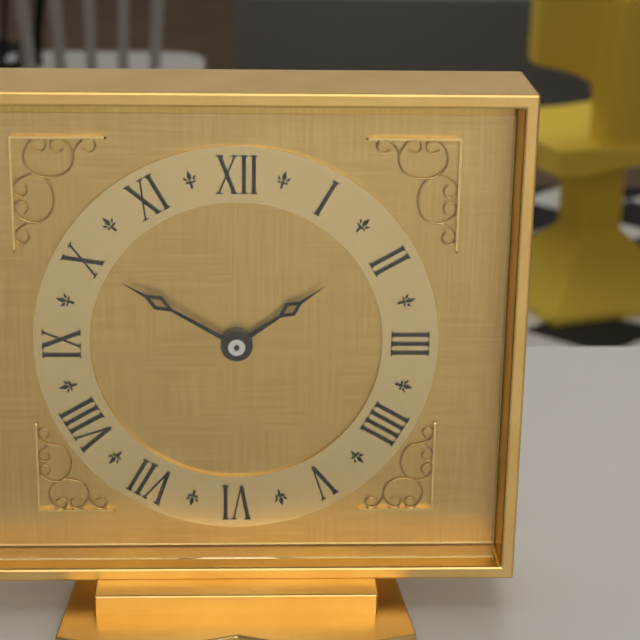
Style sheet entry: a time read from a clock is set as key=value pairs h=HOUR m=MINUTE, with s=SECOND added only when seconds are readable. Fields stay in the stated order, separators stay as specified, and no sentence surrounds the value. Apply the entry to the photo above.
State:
h=1 m=50
